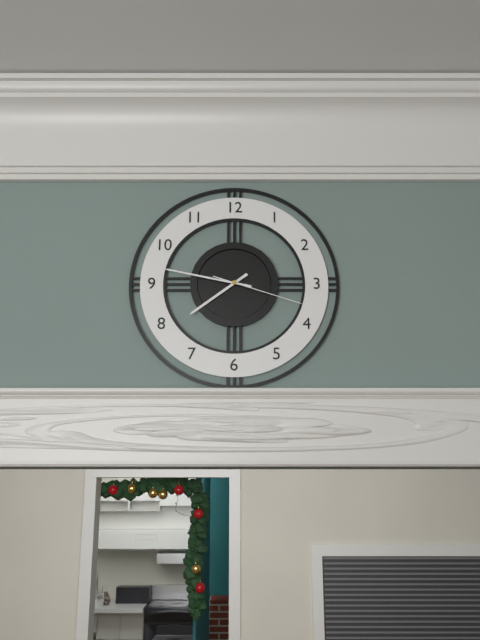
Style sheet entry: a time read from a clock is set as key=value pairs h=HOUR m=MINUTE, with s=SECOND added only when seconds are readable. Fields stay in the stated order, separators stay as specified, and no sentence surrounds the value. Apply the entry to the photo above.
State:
h=7 m=47 s=18
